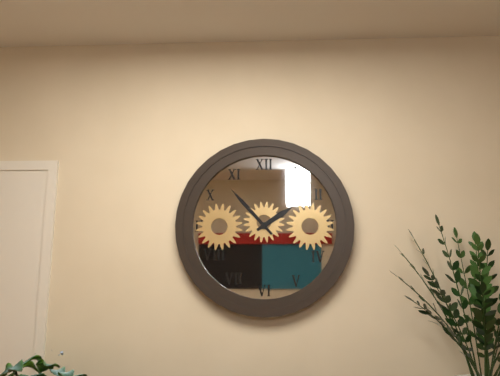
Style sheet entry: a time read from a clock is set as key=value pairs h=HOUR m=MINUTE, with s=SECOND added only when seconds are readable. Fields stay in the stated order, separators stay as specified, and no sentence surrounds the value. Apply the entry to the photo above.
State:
h=1 m=53
